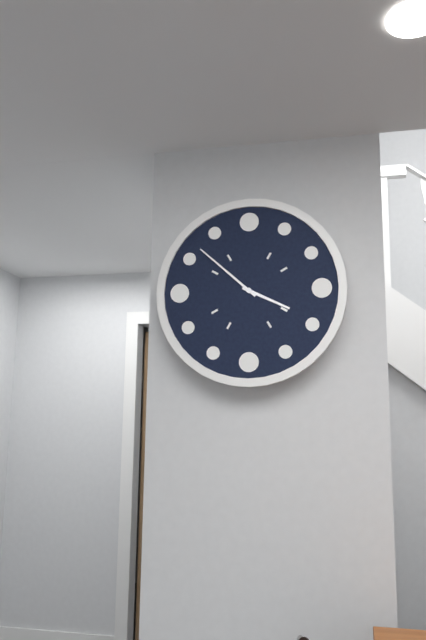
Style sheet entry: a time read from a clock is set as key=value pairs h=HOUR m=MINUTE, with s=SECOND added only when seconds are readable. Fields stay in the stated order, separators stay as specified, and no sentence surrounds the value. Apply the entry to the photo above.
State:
h=3 m=52
